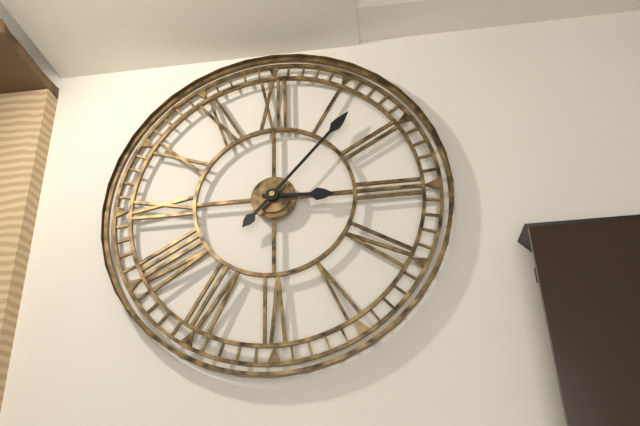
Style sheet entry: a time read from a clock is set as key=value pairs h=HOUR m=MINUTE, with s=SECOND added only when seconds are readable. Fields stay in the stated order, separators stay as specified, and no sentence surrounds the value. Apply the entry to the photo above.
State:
h=3 m=7
